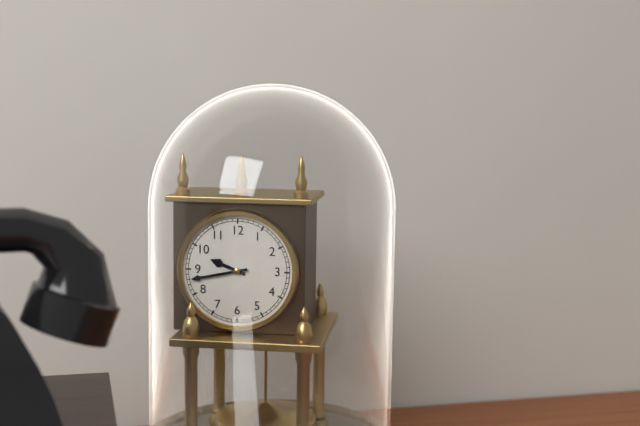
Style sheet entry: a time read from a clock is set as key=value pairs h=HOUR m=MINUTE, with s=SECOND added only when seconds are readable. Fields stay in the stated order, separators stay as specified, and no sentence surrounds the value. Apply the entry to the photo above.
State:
h=9 m=43
